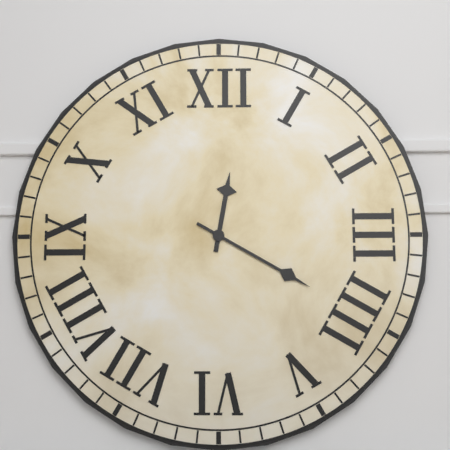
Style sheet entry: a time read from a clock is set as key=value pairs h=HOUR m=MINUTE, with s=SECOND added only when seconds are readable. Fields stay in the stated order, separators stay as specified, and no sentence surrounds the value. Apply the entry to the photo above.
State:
h=12 m=20
